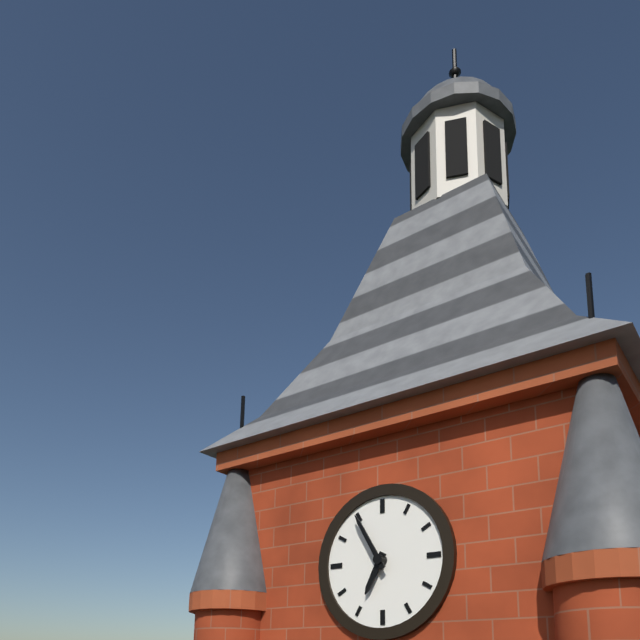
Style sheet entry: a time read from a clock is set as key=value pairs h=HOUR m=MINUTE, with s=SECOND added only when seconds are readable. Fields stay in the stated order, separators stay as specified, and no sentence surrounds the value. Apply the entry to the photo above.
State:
h=6 m=55
